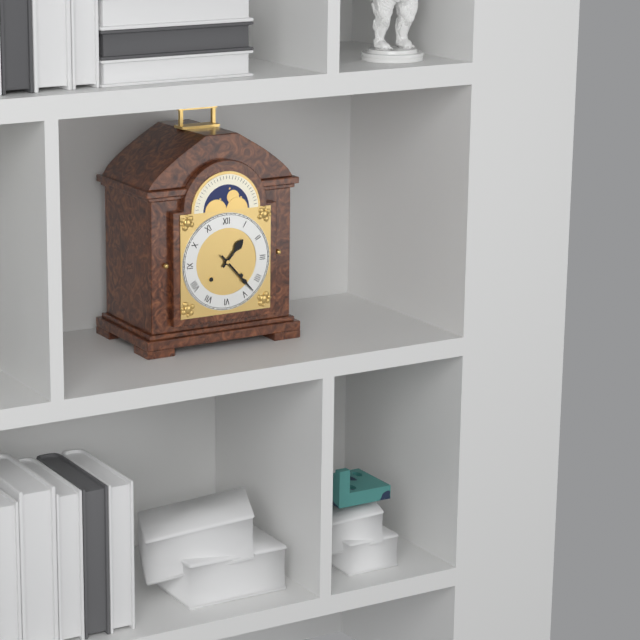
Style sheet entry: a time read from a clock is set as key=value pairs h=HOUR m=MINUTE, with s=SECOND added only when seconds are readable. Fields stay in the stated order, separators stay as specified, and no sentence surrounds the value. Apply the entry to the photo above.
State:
h=1 m=23
